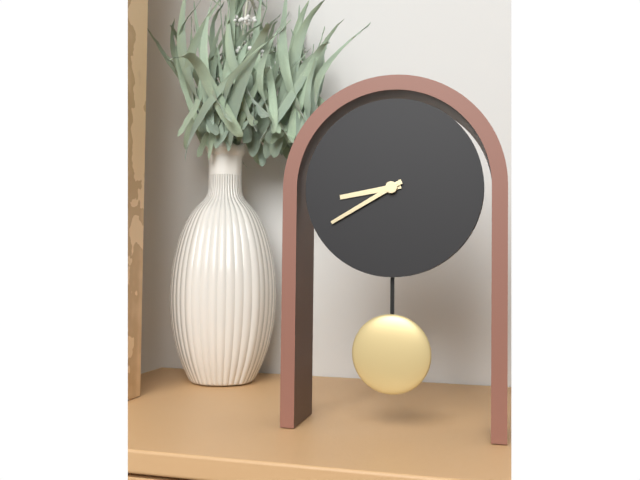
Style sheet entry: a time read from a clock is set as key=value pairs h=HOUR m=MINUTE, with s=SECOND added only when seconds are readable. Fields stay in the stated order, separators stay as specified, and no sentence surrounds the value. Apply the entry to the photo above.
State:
h=8 m=40
